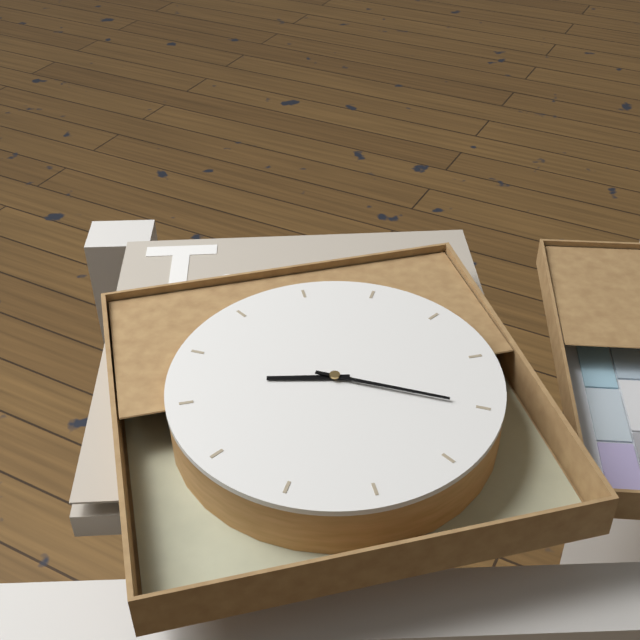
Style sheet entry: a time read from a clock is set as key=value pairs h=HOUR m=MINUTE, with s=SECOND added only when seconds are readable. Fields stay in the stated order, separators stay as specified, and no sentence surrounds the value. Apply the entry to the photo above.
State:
h=10 m=25
